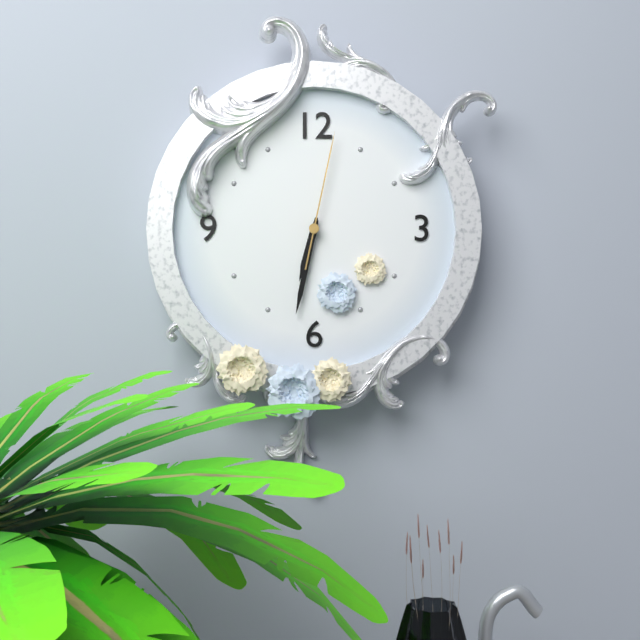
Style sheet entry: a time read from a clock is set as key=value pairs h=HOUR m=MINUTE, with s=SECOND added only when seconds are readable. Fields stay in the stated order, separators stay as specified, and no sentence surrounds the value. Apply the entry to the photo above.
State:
h=6 m=32 s=2
